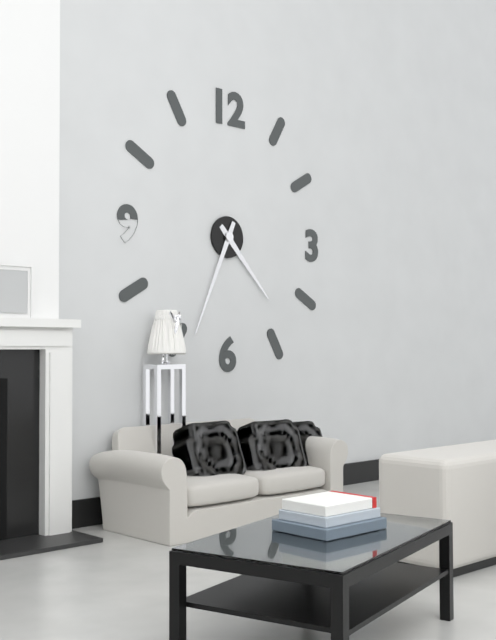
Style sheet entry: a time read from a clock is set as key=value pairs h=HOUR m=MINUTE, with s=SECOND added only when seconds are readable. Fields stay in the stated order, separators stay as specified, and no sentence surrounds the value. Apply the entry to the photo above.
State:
h=4 m=34
